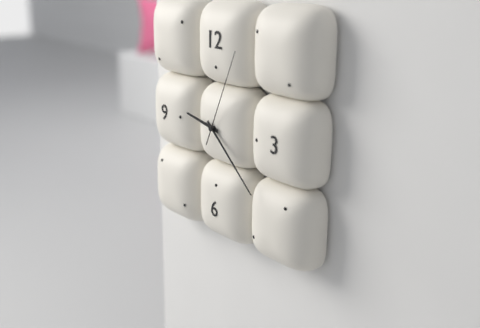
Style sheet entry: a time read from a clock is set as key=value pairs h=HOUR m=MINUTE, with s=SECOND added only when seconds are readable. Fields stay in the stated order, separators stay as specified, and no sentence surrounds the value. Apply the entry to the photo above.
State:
h=9 m=22 s=4
